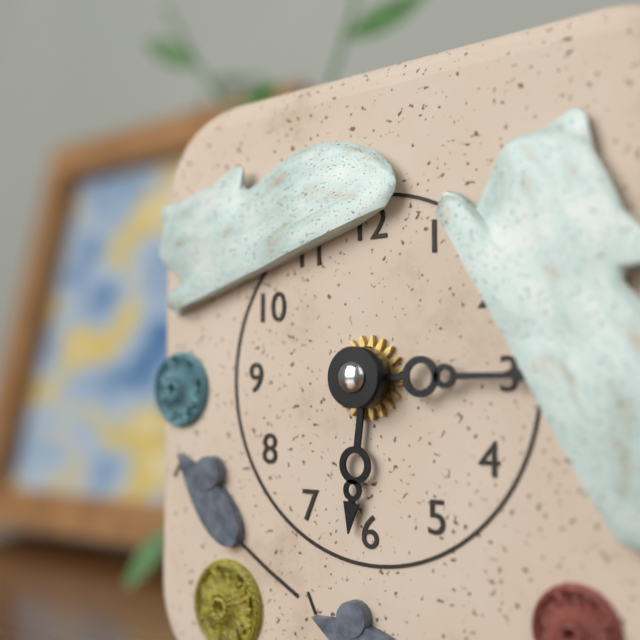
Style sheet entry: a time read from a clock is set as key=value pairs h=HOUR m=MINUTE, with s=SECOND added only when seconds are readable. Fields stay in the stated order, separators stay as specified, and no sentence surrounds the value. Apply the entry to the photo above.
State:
h=6 m=15
